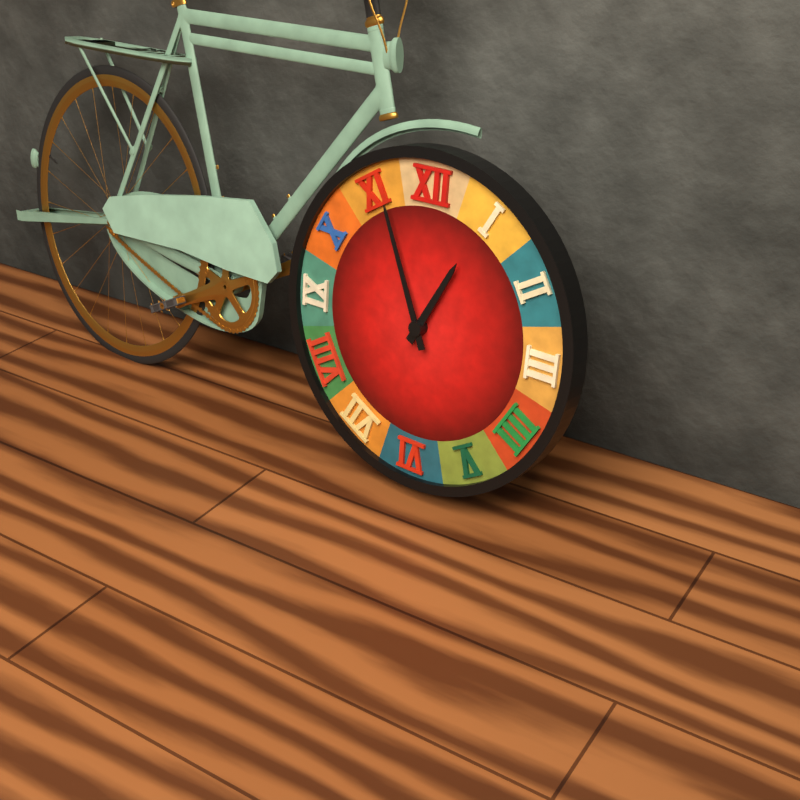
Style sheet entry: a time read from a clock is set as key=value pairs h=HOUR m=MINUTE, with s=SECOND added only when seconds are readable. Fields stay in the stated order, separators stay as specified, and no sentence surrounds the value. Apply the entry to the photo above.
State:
h=12 m=56
